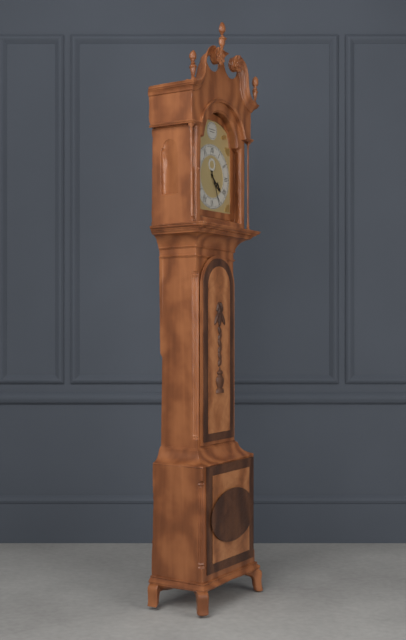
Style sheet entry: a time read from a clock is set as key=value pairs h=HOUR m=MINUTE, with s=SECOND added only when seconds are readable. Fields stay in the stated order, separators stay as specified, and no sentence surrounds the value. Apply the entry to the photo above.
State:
h=4 m=26
